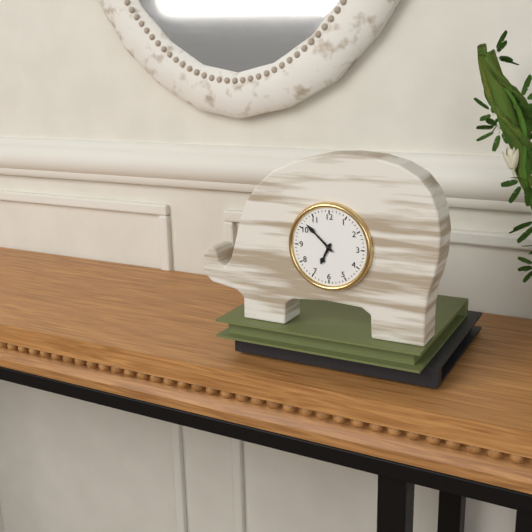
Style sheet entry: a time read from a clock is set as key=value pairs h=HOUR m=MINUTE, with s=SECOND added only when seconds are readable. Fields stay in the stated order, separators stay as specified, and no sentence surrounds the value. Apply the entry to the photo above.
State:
h=6 m=52
